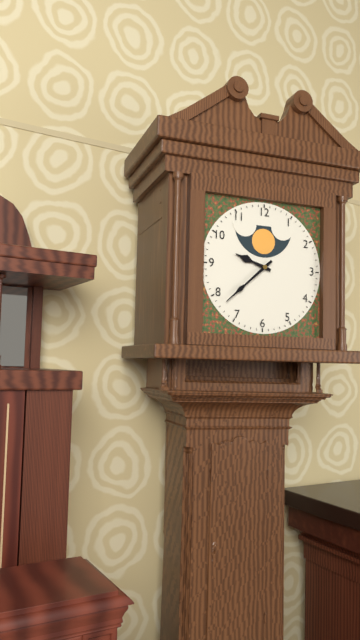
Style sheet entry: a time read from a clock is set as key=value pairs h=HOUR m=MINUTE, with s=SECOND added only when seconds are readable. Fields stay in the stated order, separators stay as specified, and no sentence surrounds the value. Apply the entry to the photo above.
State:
h=9 m=38
